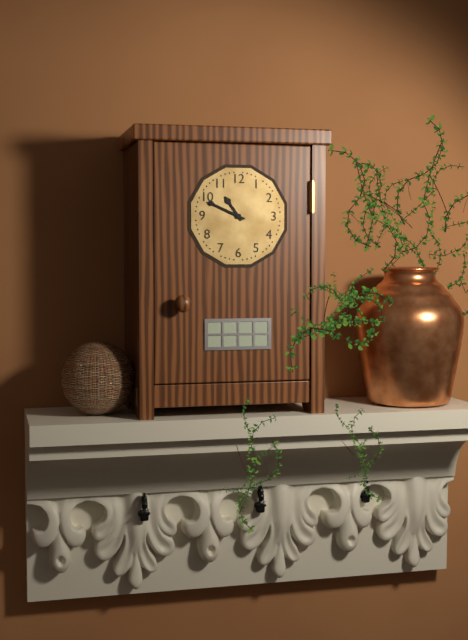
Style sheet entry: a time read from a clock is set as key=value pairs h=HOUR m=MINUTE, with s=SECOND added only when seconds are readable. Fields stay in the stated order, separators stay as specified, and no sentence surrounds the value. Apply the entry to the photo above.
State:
h=10 m=49
